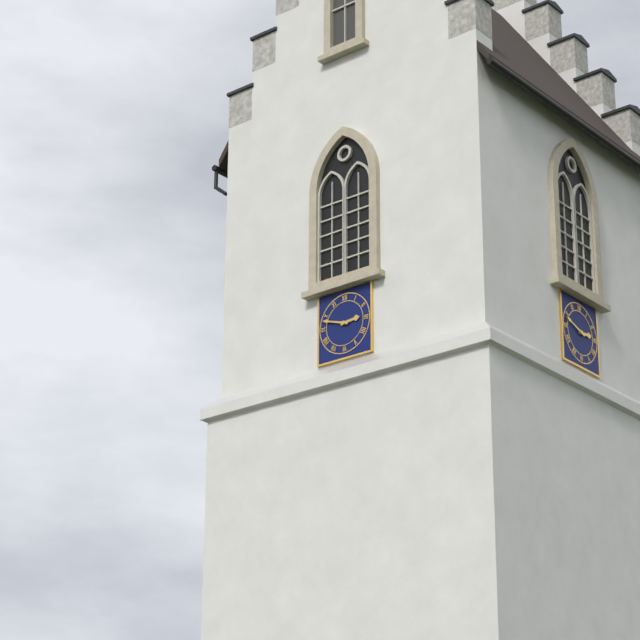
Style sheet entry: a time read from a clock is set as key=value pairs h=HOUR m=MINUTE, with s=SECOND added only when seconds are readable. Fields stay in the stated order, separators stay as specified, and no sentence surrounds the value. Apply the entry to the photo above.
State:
h=2 m=48
